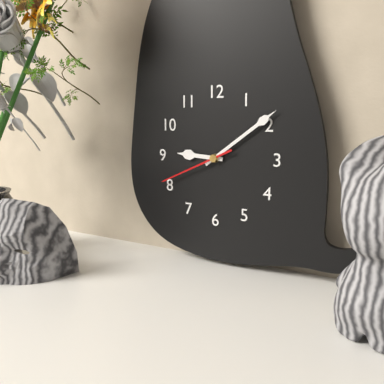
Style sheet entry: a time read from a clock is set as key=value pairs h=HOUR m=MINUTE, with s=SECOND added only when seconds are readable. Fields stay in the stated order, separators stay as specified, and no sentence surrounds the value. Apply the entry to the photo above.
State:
h=9 m=9 s=41
